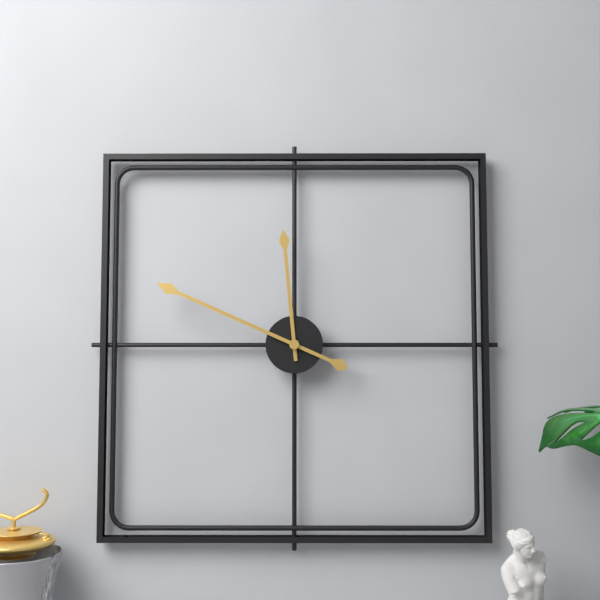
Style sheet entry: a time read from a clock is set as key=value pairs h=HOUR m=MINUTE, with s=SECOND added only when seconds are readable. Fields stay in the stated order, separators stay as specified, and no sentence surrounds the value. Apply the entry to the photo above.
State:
h=11 m=49
